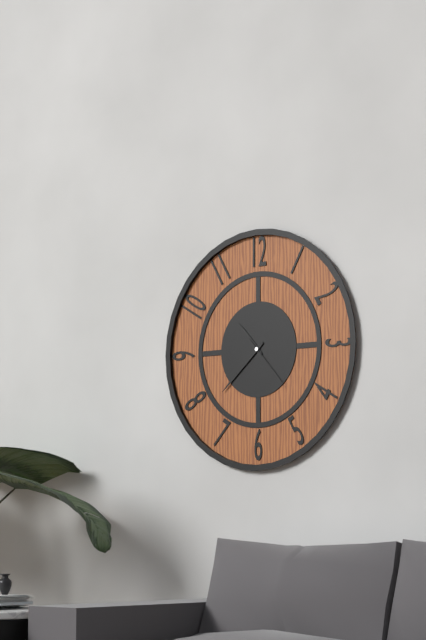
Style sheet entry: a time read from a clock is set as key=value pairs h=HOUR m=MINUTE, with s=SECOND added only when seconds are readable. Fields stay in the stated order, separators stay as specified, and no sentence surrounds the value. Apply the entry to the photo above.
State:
h=10 m=38 s=23
